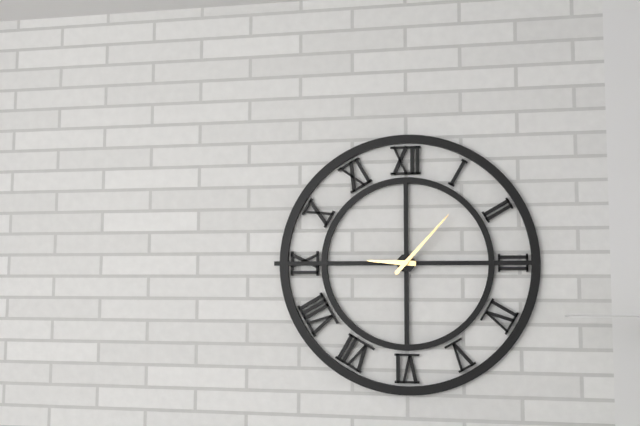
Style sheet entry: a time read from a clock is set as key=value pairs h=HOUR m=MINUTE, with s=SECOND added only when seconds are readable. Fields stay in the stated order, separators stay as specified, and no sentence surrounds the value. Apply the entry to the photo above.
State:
h=9 m=7
